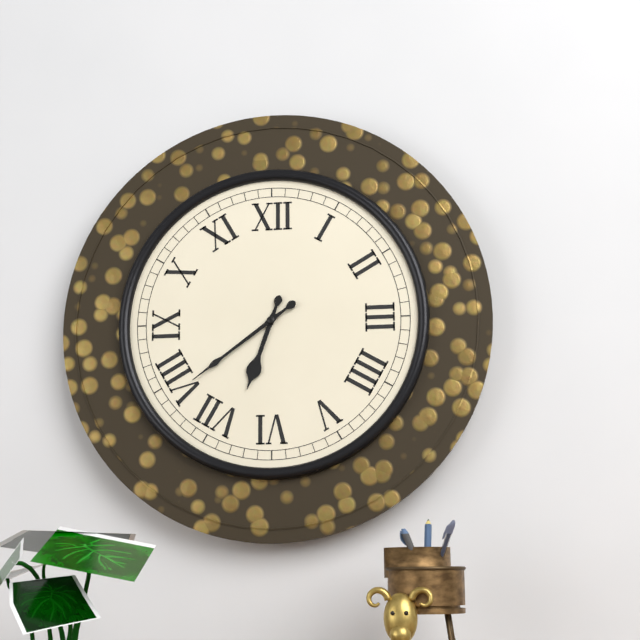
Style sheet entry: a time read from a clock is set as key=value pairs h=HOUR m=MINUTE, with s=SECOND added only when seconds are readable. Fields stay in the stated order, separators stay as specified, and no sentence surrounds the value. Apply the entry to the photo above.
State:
h=6 m=39
